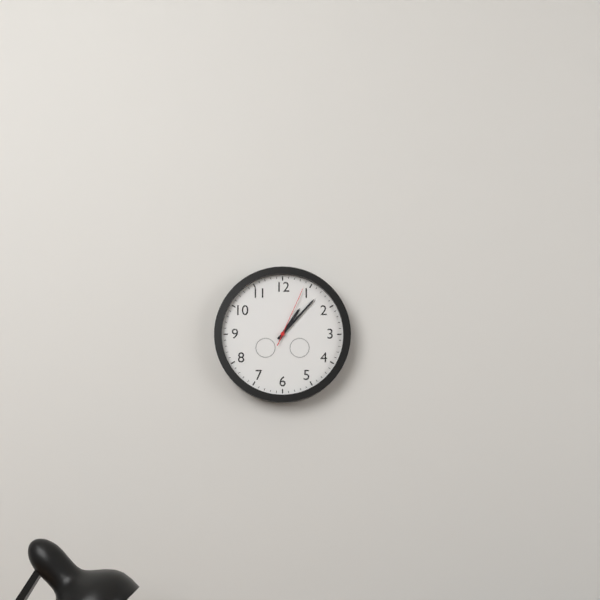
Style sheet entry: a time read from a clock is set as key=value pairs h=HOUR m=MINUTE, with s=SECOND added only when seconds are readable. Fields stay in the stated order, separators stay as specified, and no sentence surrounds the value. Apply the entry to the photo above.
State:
h=1 m=7 s=4
